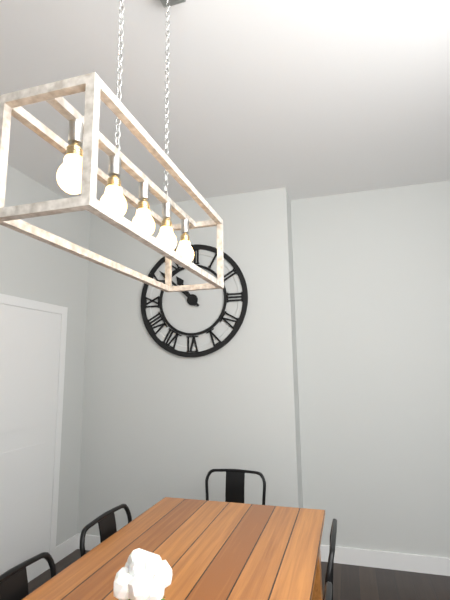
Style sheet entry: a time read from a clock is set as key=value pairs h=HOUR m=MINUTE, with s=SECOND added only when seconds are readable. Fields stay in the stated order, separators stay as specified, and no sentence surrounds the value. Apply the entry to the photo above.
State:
h=10 m=52
